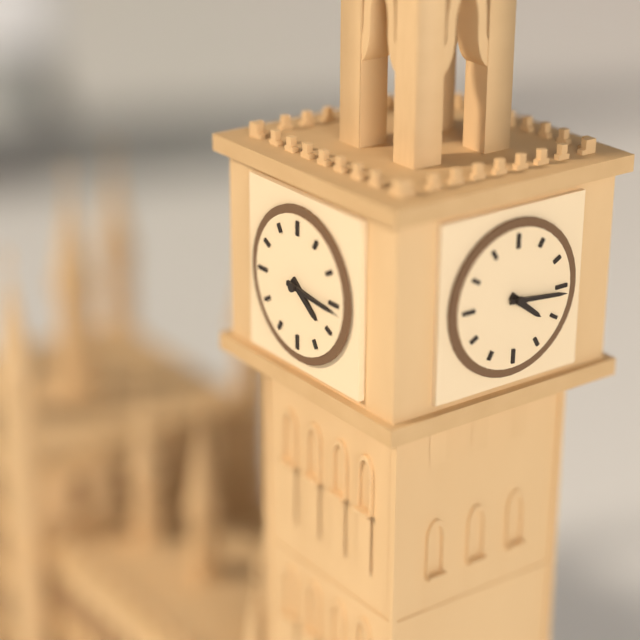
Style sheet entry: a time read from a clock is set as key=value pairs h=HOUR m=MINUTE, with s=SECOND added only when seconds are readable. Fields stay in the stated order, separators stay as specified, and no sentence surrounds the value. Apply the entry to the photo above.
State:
h=4 m=16
